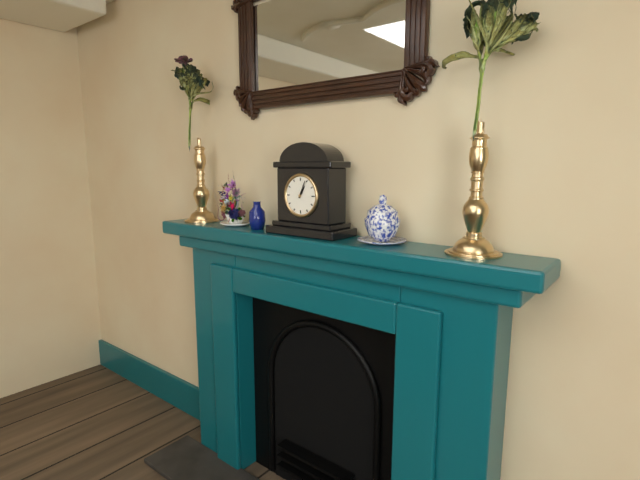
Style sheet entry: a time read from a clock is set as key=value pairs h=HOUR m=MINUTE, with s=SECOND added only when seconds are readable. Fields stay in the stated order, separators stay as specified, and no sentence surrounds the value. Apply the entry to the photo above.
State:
h=1 m=4
